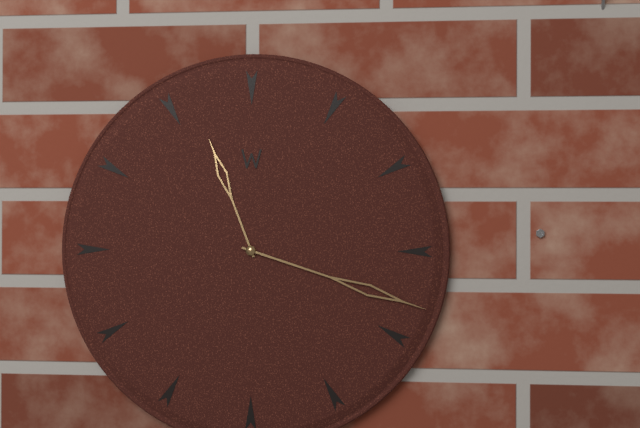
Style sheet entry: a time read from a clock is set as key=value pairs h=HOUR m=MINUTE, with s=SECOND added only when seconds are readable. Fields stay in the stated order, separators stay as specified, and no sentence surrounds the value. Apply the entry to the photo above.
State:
h=11 m=18
